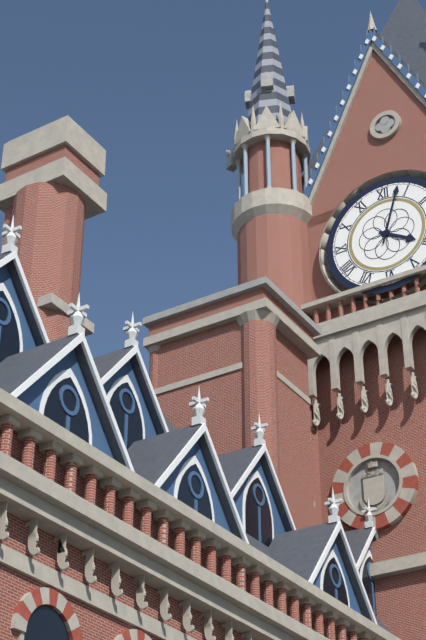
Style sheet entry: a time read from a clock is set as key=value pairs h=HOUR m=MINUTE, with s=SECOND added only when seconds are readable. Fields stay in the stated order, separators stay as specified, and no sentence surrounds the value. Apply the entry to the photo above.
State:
h=4 m=3
